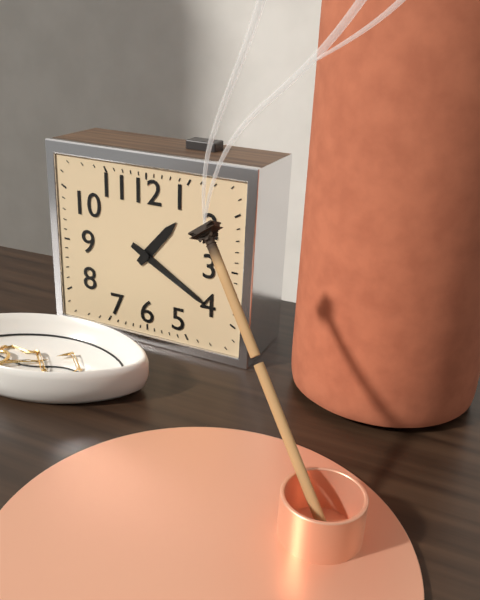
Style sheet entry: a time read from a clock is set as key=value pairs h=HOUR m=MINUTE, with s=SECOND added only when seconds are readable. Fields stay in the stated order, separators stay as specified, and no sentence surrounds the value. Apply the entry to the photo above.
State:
h=1 m=20
